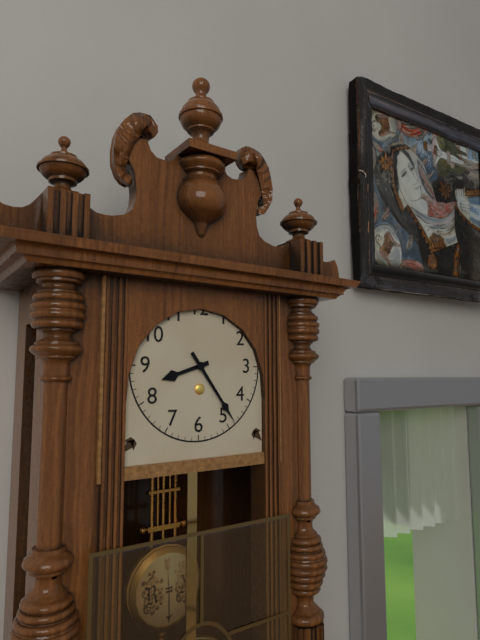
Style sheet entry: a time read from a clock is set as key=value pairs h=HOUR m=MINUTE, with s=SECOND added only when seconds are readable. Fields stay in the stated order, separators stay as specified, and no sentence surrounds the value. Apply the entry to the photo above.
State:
h=8 m=24
